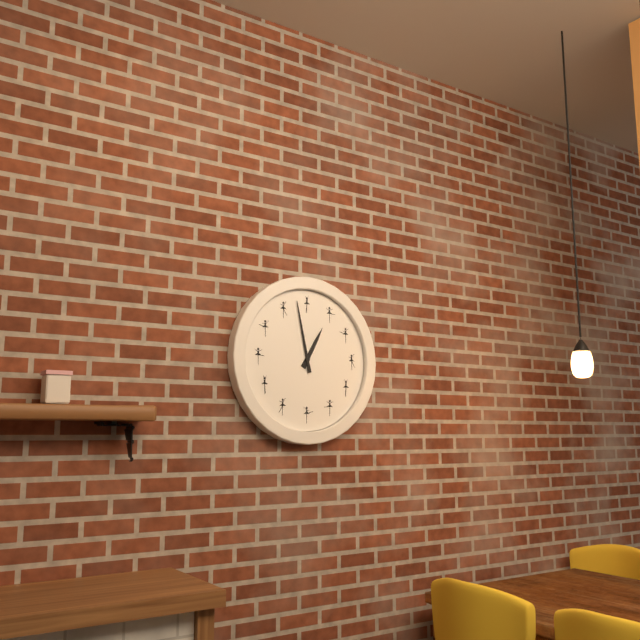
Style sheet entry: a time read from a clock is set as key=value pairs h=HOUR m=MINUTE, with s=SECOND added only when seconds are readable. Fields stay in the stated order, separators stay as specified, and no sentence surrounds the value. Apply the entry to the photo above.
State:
h=12 m=58
